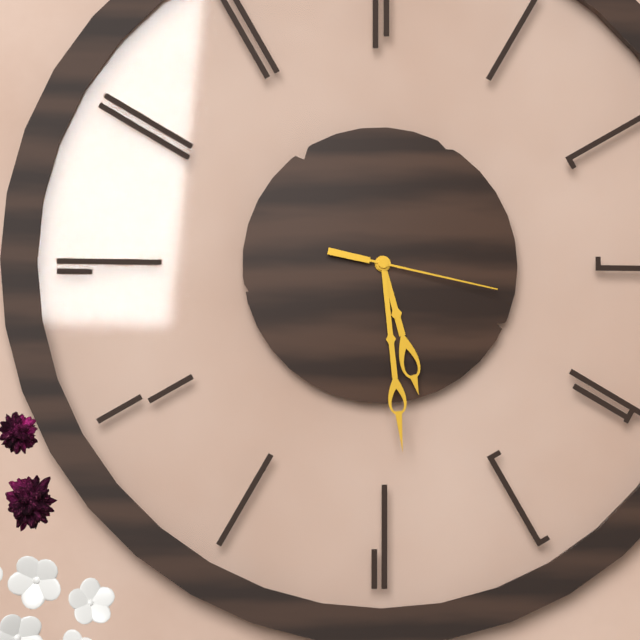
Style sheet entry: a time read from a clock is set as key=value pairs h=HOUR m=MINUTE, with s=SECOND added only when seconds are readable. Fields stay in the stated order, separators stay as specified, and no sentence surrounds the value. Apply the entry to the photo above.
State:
h=5 m=29 s=17
